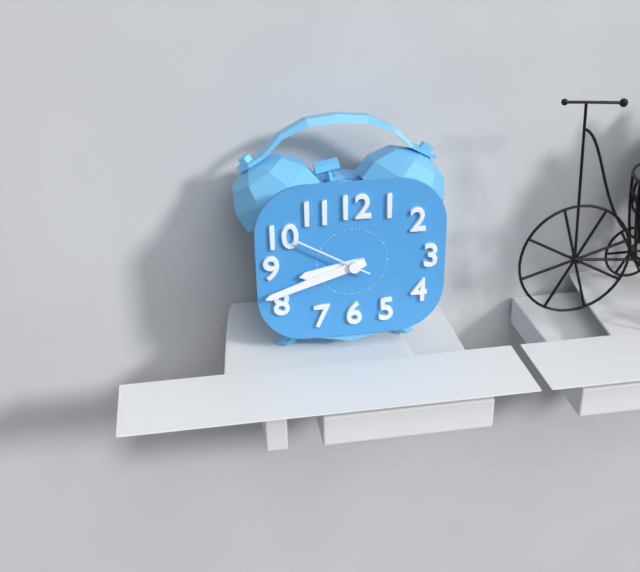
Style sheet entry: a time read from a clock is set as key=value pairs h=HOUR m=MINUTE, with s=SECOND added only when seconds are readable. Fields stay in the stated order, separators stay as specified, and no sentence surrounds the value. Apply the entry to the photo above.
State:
h=8 m=42 s=50
